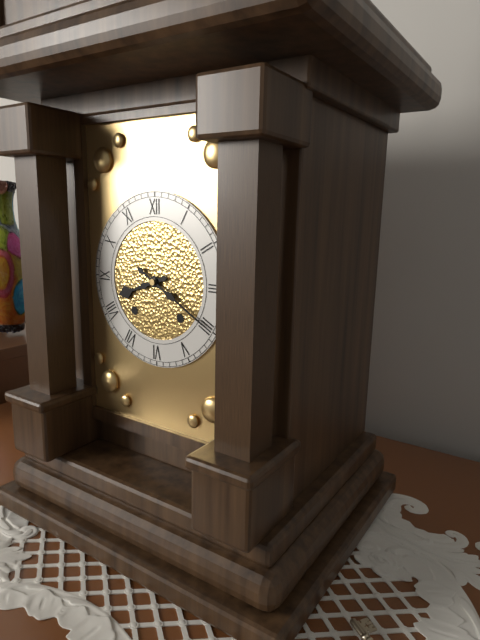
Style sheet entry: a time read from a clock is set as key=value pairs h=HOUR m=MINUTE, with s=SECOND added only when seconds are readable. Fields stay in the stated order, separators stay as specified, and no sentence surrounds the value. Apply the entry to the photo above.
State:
h=8 m=20
